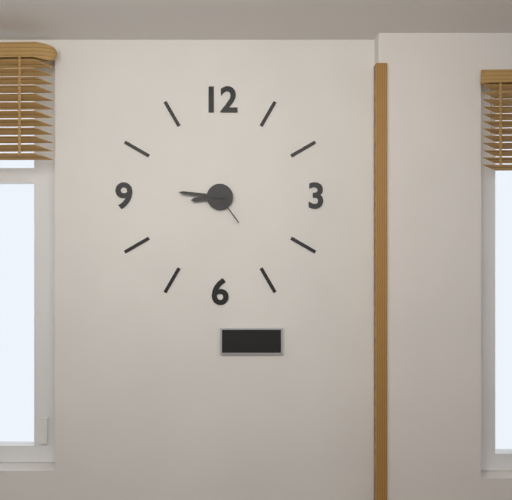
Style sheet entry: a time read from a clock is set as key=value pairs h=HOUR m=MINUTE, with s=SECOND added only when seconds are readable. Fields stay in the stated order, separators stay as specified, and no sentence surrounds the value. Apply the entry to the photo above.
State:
h=8 m=46
